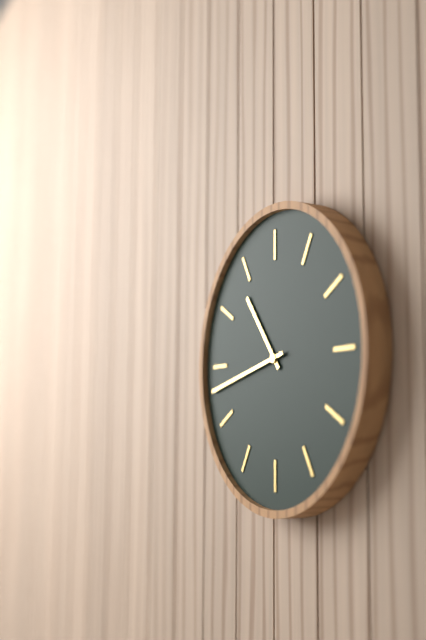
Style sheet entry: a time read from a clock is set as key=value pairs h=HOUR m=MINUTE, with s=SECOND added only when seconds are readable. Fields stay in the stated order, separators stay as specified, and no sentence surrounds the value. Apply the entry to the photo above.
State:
h=10 m=43
